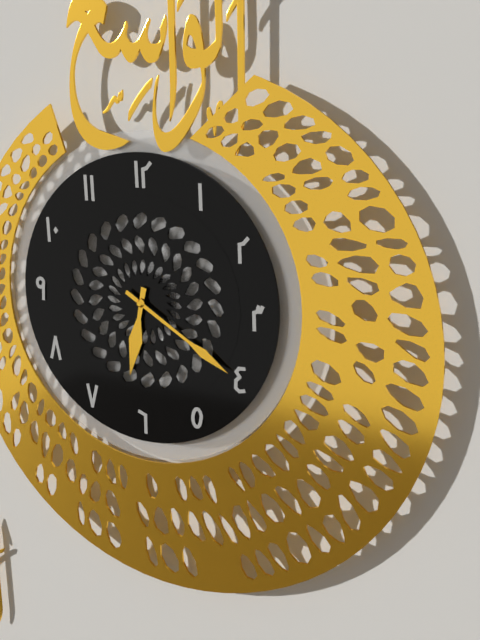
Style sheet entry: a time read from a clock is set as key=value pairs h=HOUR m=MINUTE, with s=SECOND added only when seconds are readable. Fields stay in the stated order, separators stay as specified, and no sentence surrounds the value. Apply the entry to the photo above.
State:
h=6 m=20
